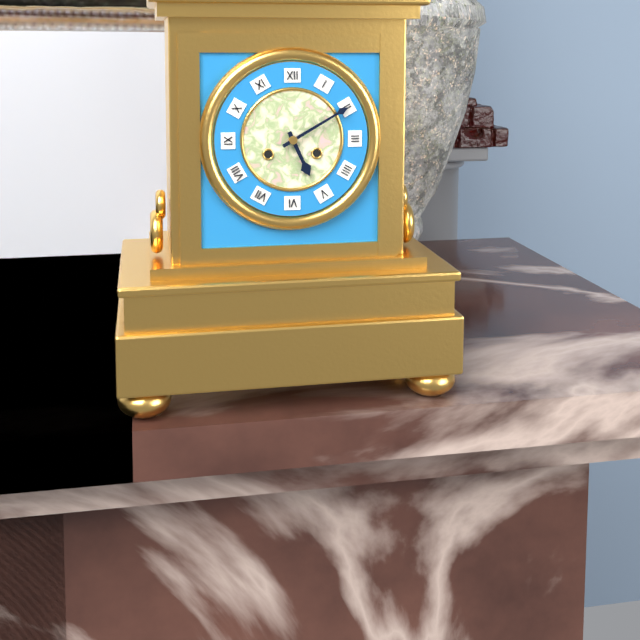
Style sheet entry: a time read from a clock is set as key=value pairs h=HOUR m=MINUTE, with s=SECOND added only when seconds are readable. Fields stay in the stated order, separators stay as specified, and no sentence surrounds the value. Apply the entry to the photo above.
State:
h=5 m=10
